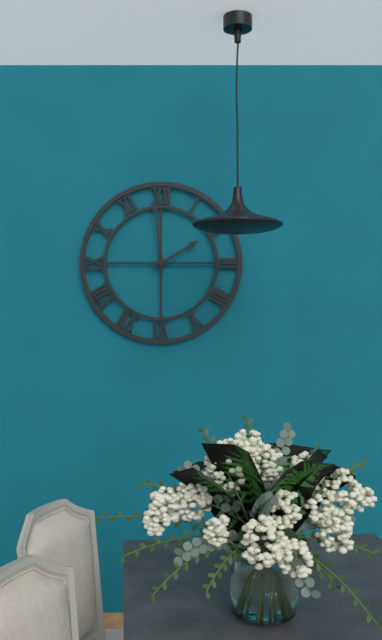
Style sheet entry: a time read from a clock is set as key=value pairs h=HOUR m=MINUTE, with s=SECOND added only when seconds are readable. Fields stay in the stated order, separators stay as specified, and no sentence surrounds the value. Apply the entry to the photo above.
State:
h=1 m=59
